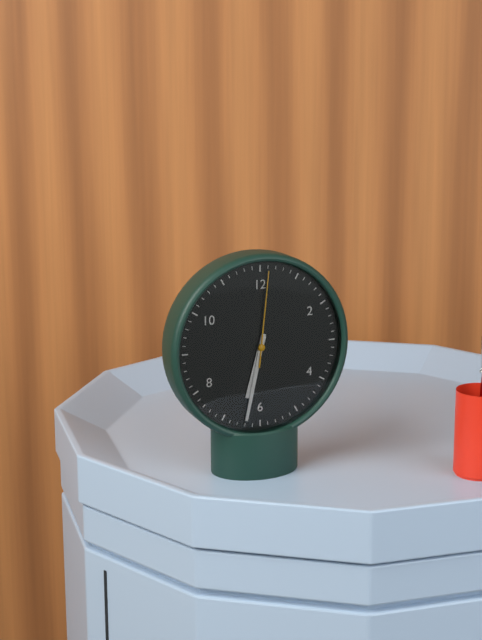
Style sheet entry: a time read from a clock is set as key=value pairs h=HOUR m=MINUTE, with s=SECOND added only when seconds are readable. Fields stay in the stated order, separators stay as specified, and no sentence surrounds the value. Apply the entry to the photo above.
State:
h=6 m=32 s=1
